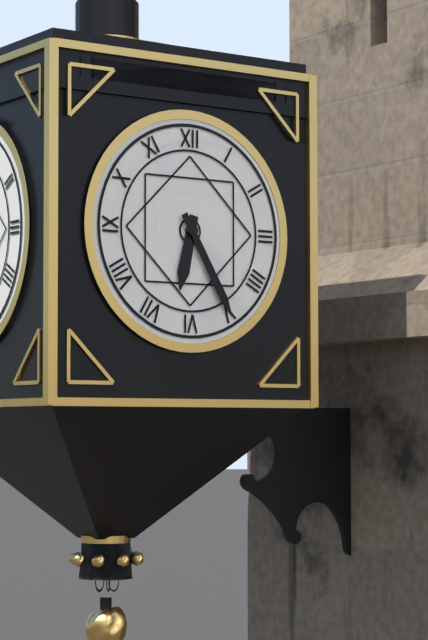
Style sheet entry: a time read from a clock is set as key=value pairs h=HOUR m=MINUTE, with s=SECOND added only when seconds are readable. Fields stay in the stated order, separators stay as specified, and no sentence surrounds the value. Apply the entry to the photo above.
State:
h=6 m=25
